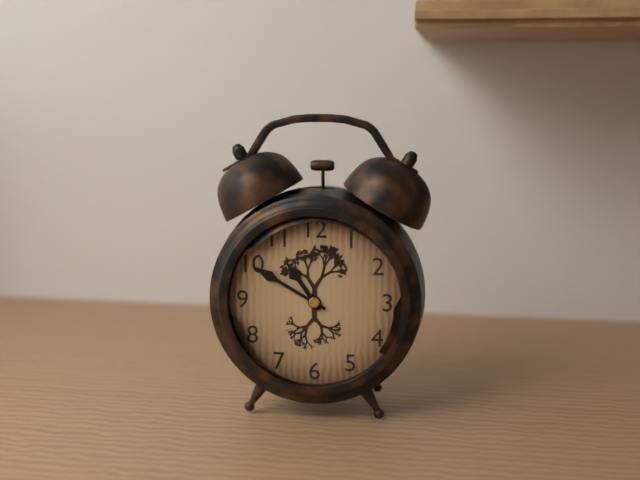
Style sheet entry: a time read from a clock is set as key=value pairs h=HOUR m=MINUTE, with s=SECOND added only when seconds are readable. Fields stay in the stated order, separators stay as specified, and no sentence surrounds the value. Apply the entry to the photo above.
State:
h=10 m=50
